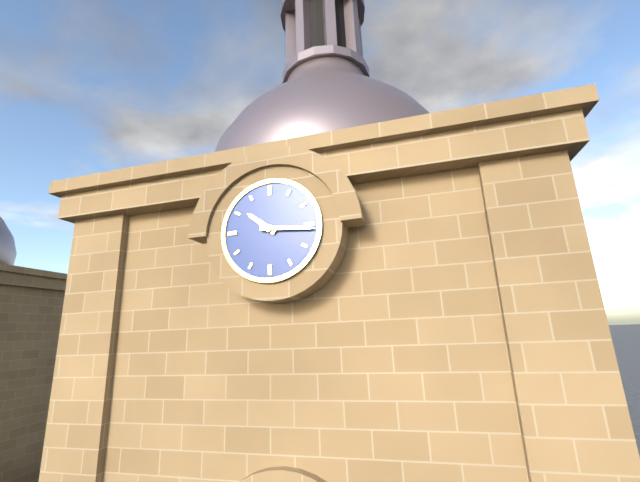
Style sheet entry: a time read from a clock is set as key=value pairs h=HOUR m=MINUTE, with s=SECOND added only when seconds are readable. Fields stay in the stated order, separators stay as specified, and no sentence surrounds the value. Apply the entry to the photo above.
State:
h=10 m=16
